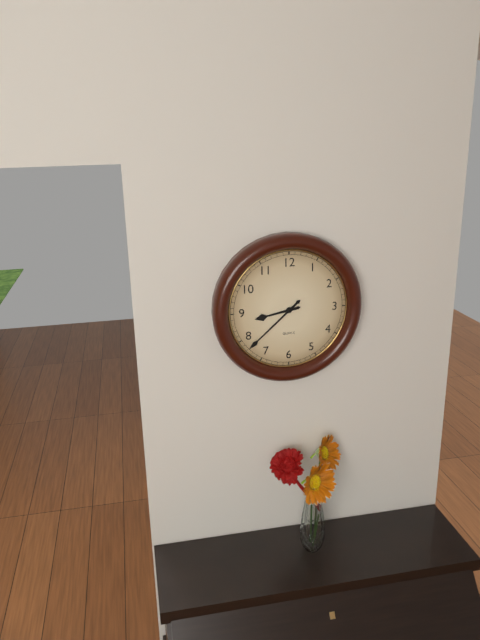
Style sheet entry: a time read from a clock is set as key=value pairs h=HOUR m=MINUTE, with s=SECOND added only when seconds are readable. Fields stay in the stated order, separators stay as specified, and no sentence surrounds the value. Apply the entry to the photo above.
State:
h=8 m=38
